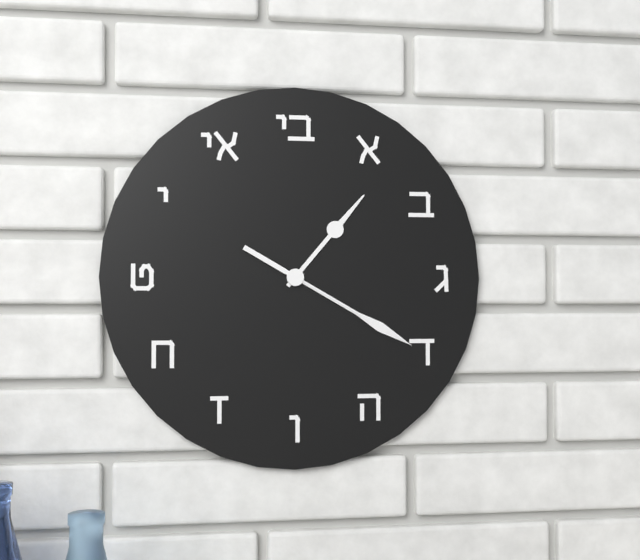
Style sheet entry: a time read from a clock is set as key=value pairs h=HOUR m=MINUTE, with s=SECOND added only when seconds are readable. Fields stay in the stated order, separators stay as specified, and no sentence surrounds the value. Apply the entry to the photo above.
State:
h=1 m=20 s=20
